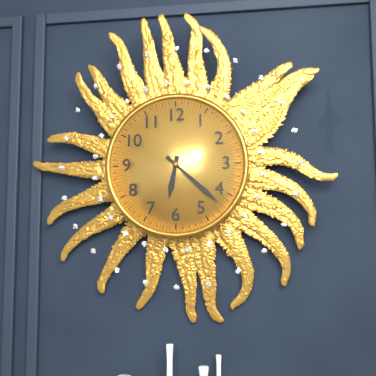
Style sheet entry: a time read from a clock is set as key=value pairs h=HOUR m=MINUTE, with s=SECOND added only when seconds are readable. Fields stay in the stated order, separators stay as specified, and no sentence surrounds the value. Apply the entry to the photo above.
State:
h=6 m=22
